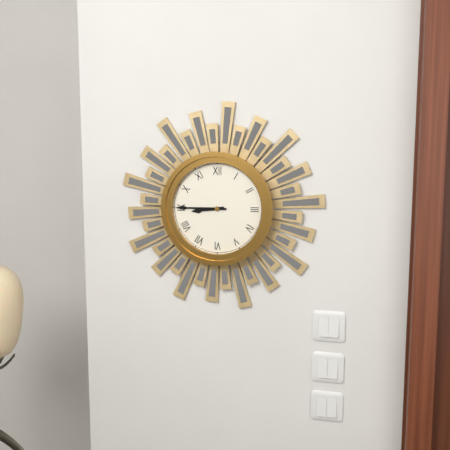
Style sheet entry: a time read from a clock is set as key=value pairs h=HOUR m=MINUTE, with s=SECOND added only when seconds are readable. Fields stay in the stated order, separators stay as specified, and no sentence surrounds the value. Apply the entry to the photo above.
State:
h=8 m=45
